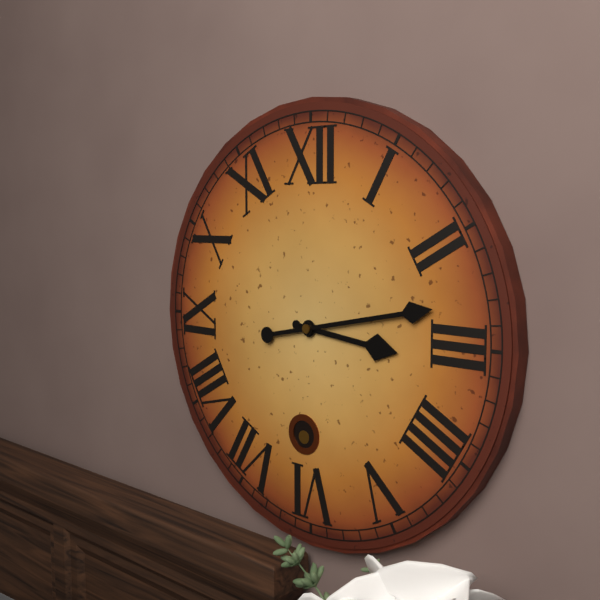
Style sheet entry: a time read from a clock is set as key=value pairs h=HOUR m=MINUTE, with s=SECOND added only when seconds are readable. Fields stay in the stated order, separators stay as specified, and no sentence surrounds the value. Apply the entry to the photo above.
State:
h=3 m=13
